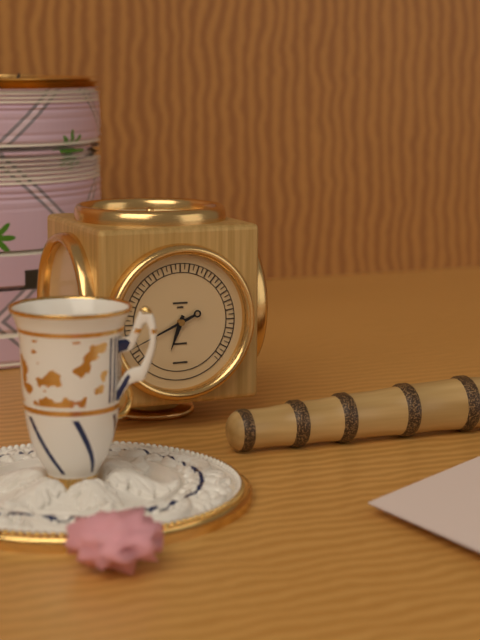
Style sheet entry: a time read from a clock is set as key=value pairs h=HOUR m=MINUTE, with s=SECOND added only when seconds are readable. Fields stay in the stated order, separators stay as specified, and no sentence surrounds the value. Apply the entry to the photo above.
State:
h=6 m=41
